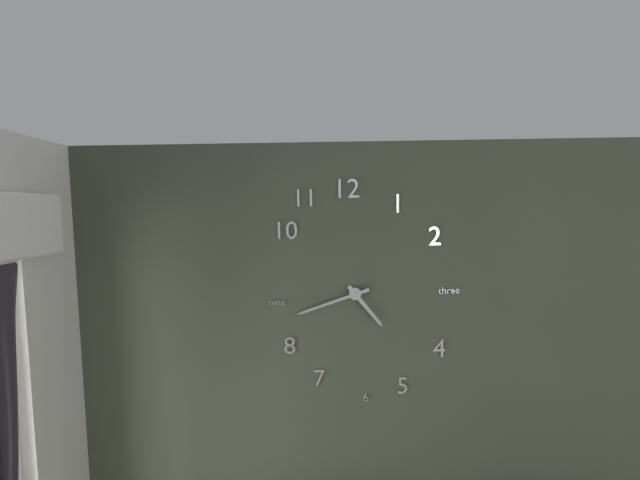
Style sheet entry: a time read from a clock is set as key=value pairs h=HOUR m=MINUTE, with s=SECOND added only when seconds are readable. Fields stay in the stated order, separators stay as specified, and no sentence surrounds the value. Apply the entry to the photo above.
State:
h=4 m=42
